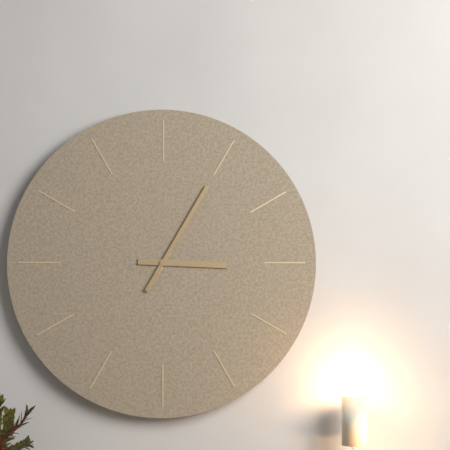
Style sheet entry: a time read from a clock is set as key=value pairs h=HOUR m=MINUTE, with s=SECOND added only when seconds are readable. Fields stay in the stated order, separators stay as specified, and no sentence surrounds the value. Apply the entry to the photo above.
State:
h=3 m=5
